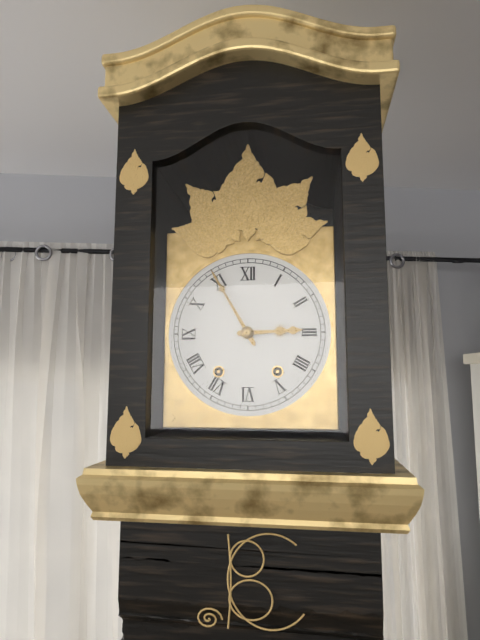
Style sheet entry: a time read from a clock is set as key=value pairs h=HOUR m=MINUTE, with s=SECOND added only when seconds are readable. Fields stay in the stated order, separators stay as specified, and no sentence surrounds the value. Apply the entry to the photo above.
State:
h=2 m=55
